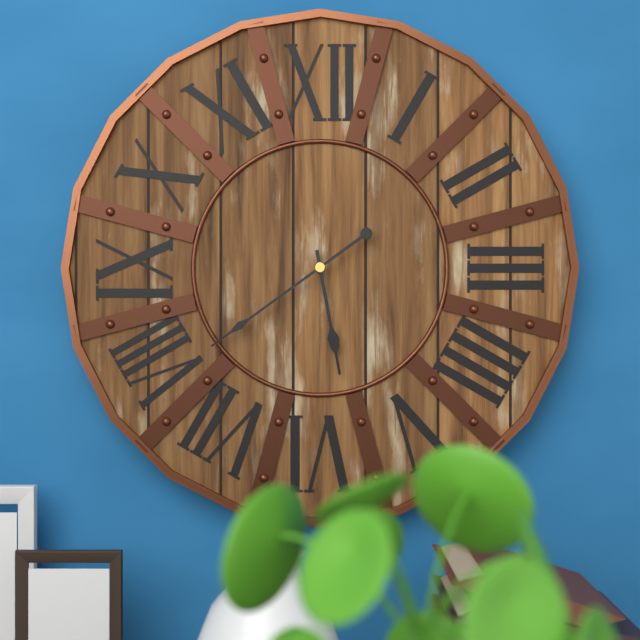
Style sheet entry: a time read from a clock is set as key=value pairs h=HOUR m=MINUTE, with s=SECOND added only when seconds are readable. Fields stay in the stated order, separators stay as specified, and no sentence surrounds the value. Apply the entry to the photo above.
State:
h=5 m=39
